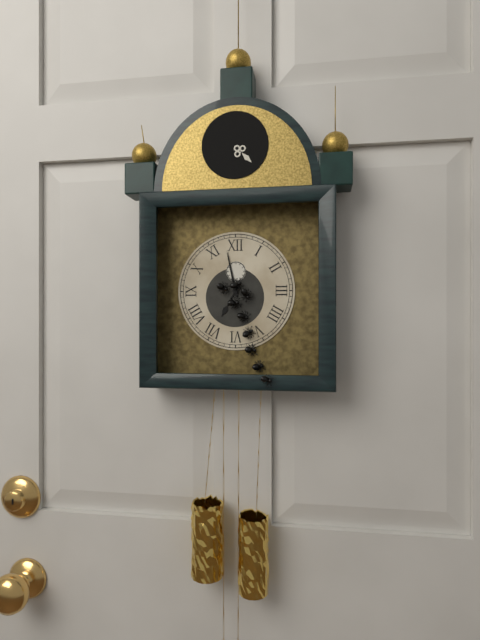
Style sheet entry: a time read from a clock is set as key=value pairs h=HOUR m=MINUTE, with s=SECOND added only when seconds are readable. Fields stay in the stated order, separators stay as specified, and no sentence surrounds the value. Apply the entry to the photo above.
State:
h=6 m=58
